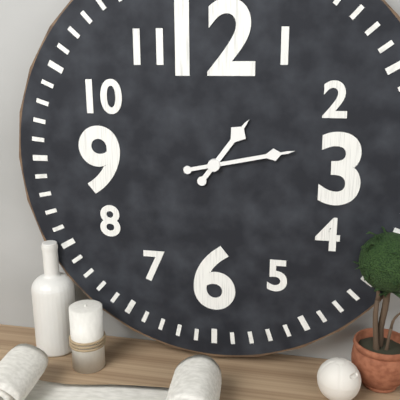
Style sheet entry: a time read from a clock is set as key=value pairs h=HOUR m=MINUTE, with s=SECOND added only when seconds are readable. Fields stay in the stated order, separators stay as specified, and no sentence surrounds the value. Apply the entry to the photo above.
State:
h=1 m=13
